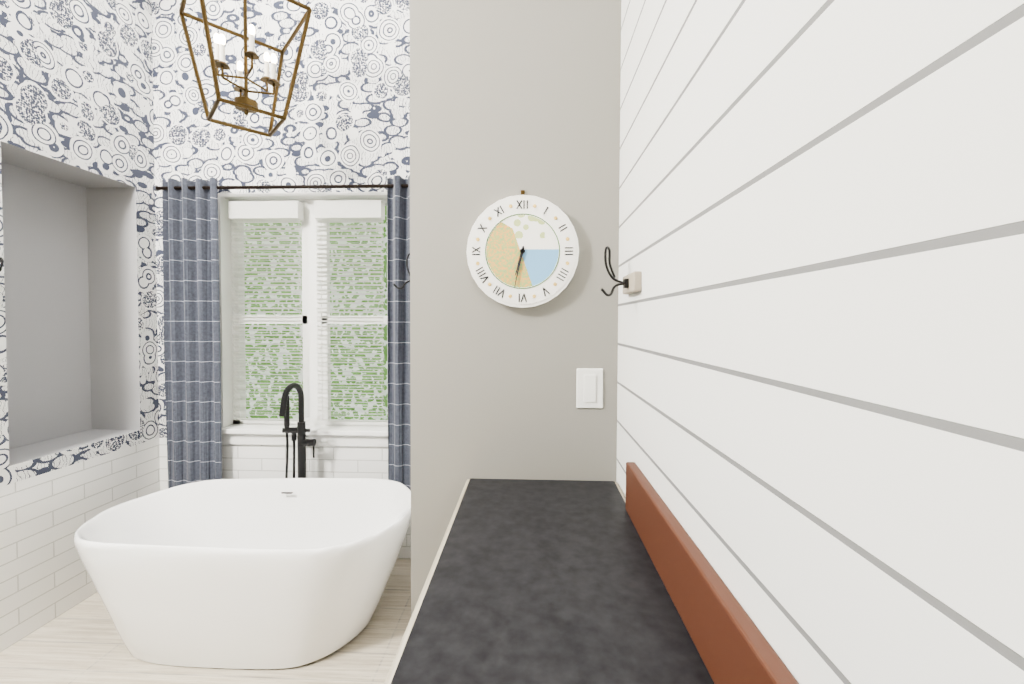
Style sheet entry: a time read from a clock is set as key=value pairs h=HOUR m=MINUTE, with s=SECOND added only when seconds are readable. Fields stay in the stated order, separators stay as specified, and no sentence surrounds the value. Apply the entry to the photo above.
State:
h=6 m=32
